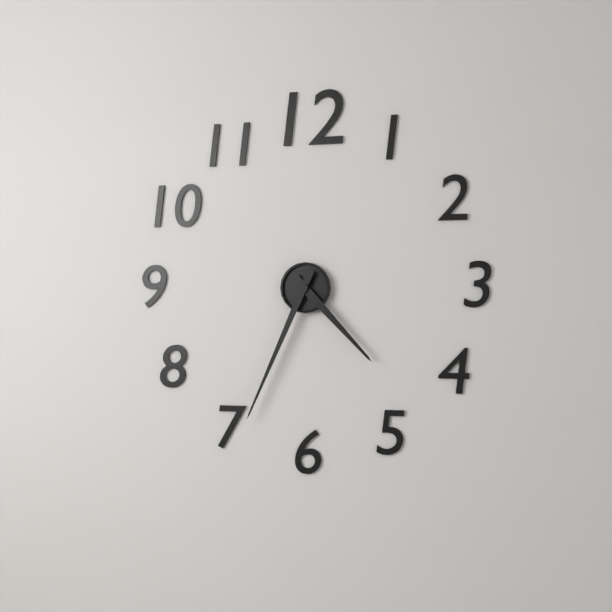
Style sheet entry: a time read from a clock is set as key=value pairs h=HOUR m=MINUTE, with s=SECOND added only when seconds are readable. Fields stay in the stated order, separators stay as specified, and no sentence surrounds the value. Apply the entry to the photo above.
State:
h=4 m=34
